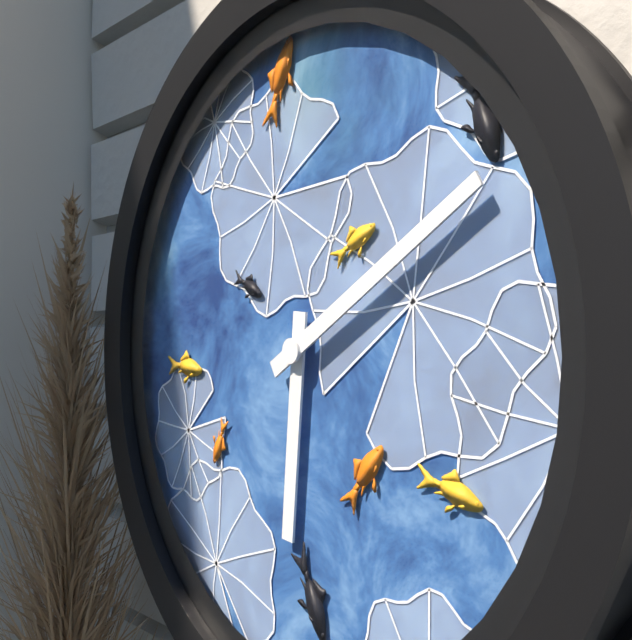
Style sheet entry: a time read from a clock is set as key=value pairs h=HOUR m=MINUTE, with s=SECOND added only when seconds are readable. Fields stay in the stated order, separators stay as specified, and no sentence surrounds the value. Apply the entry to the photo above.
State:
h=6 m=10
